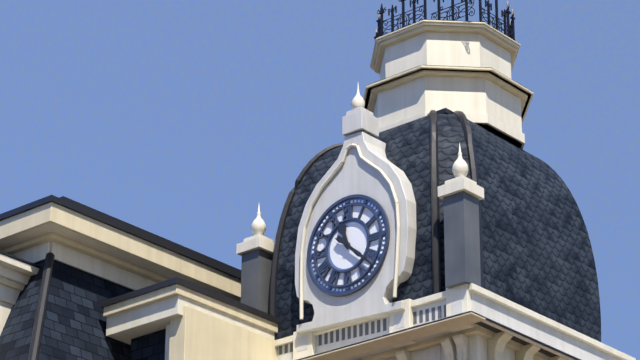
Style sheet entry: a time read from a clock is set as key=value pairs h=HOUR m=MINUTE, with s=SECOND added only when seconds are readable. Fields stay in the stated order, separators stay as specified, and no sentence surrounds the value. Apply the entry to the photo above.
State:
h=11 m=22
